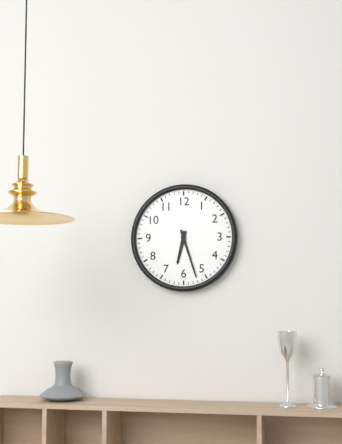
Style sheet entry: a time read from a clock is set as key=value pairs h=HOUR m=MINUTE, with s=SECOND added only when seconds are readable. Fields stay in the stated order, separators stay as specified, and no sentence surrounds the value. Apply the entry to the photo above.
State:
h=6 m=27
